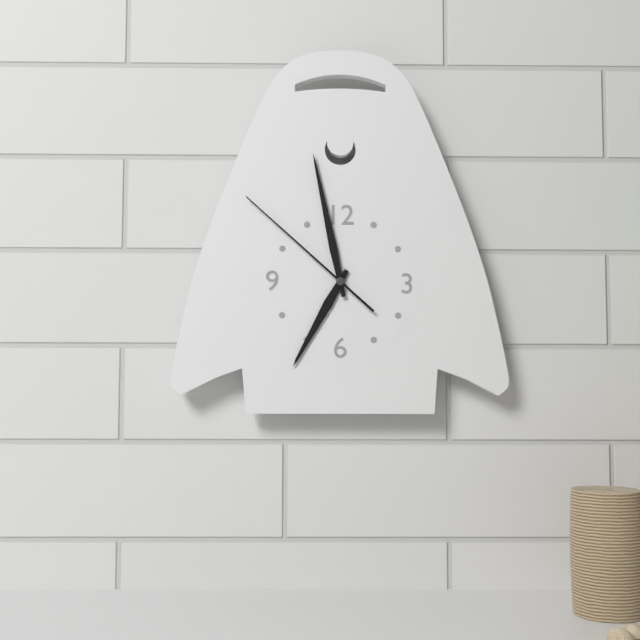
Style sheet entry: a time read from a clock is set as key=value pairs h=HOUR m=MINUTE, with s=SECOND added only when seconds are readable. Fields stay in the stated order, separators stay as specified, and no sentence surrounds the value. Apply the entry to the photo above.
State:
h=6 m=58 s=52
